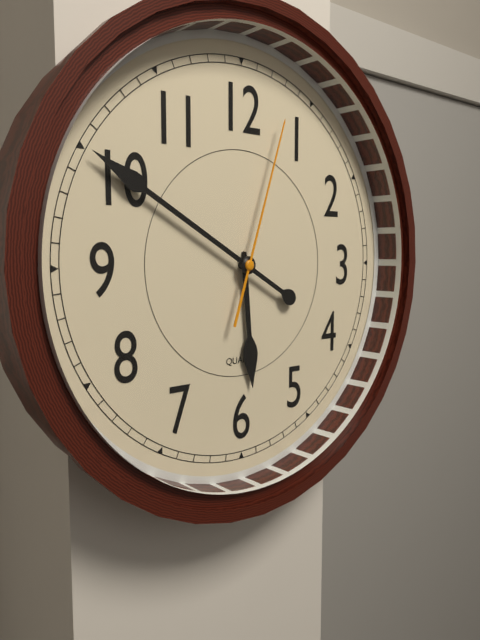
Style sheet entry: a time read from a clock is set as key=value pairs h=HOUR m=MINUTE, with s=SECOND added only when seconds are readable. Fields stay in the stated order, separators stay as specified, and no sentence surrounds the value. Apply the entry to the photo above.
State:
h=5 m=50 s=3
